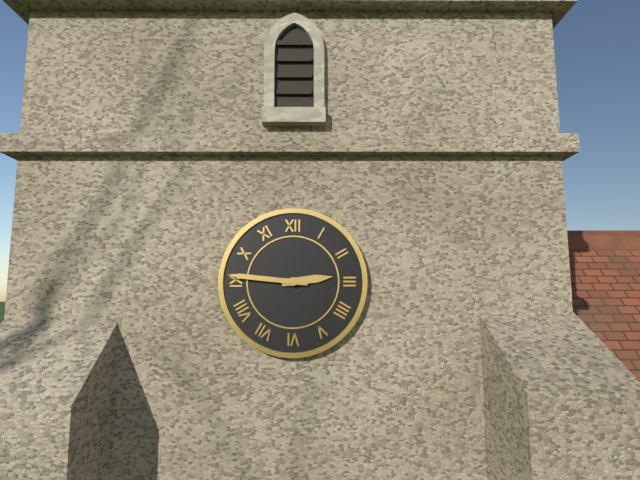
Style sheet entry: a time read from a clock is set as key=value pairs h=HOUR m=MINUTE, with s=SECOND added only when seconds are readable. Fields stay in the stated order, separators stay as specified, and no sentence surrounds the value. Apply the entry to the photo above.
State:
h=2 m=46
